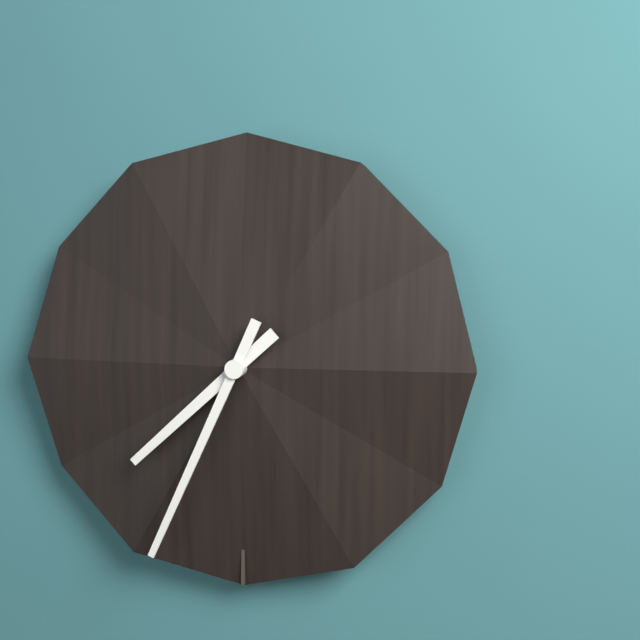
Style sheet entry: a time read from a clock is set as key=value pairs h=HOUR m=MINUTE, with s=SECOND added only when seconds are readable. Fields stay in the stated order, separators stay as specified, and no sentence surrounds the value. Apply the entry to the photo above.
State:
h=7 m=34
